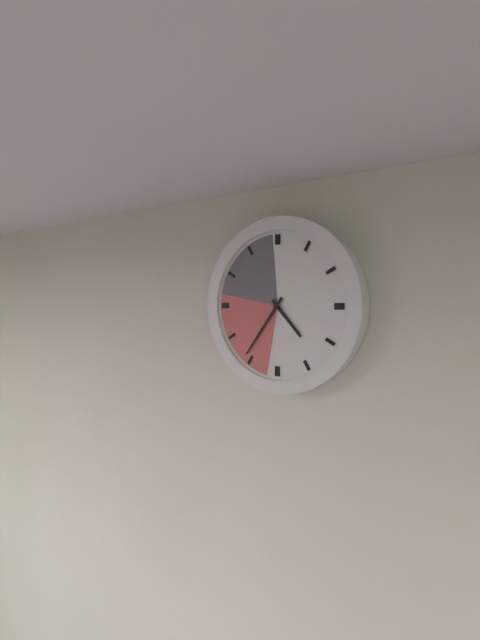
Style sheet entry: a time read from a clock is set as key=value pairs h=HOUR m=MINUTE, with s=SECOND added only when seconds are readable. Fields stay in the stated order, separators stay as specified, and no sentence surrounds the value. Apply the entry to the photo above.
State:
h=4 m=36
